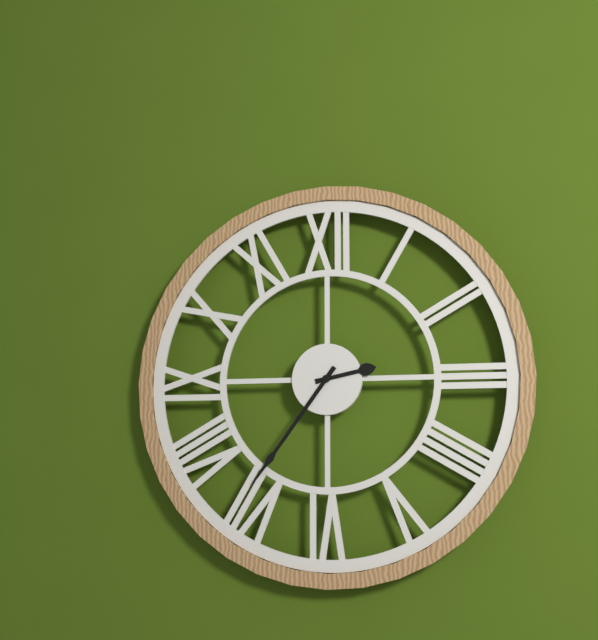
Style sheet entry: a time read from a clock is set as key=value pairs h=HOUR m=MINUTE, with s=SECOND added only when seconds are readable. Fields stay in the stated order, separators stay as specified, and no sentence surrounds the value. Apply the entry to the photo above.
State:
h=2 m=36
